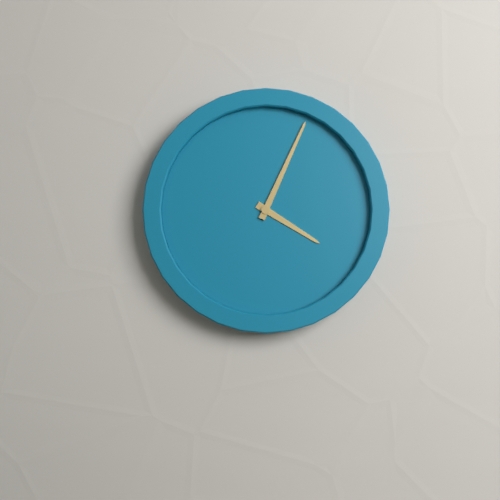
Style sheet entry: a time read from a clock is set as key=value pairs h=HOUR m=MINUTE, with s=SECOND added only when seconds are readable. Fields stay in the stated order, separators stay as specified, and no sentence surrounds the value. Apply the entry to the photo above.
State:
h=4 m=4
